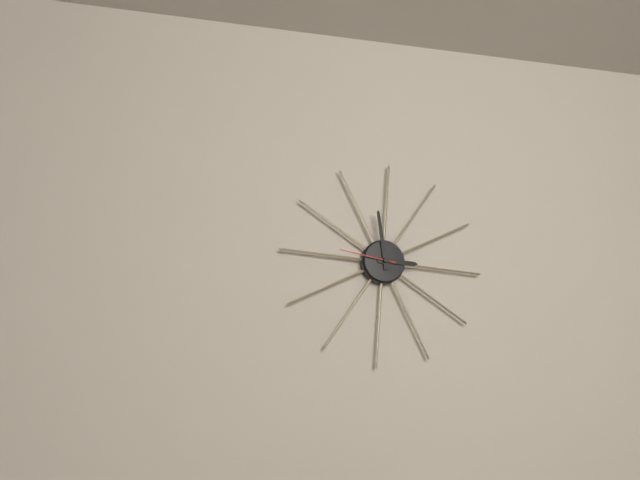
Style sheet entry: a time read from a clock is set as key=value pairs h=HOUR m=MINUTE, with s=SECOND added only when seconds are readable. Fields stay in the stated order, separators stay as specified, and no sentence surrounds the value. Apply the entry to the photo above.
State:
h=2 m=58 s=46
